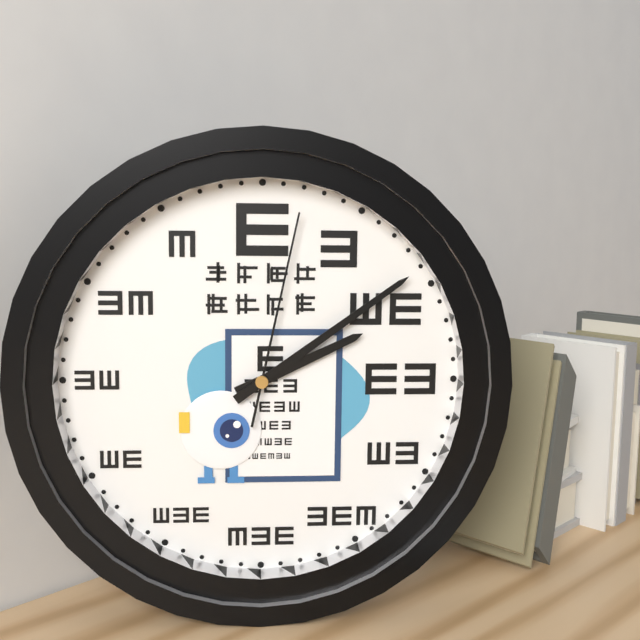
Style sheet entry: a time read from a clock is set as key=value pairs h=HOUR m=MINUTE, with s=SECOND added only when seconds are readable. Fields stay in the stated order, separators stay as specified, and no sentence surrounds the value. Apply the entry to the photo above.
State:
h=2 m=9 s=2
